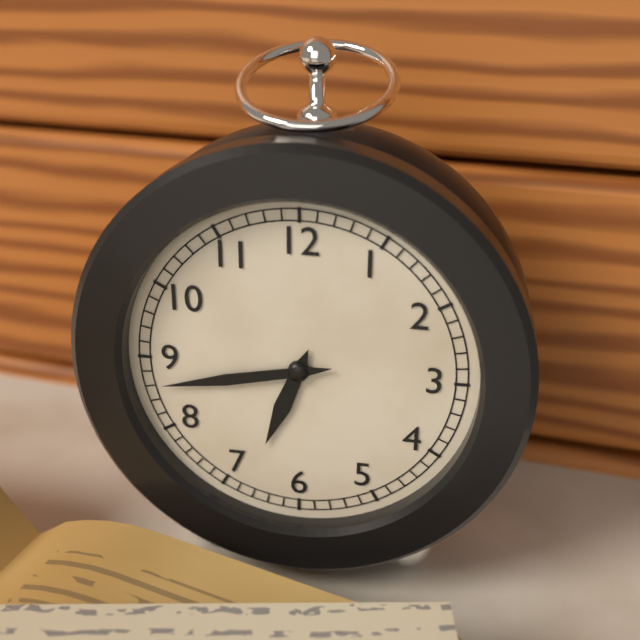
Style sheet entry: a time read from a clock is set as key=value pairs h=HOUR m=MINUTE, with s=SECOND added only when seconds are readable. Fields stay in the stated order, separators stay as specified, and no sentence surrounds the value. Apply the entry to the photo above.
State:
h=6 m=43
